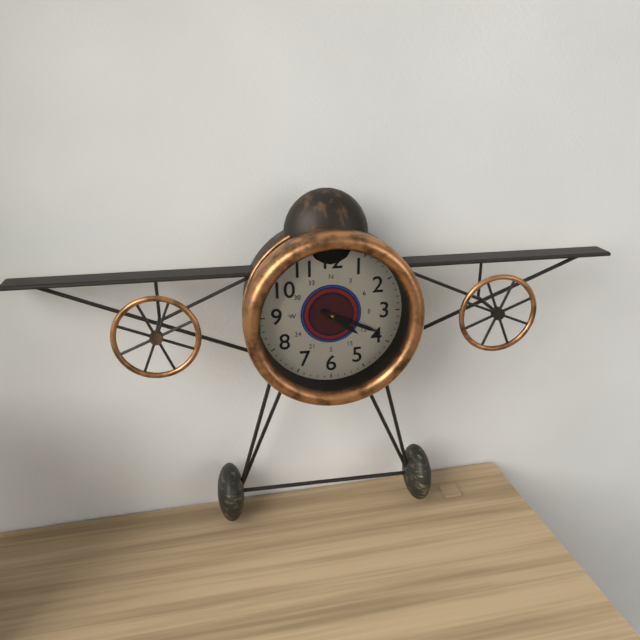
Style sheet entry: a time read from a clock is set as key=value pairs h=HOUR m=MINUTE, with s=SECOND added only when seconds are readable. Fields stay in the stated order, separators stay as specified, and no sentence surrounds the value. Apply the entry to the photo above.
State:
h=4 m=19
